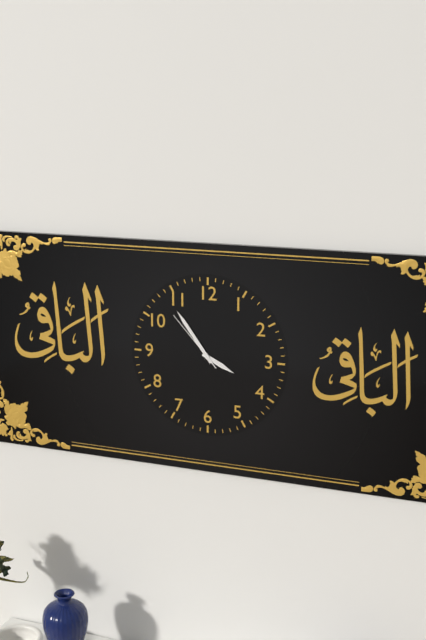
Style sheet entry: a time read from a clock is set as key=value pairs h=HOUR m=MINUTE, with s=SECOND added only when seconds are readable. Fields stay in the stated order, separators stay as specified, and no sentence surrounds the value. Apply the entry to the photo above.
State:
h=3 m=54 s=53
